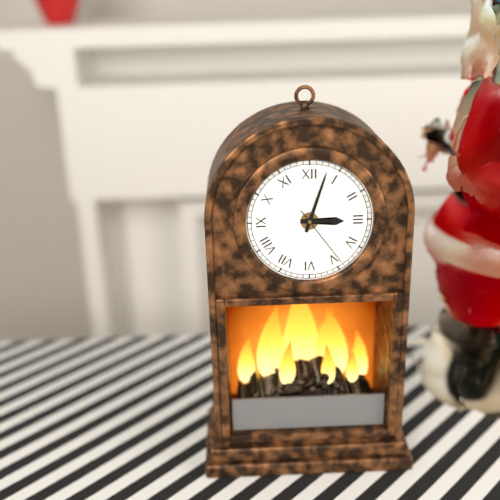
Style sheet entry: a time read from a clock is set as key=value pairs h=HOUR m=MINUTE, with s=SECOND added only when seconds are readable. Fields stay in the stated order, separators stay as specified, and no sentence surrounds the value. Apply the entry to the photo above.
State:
h=3 m=3 s=24
